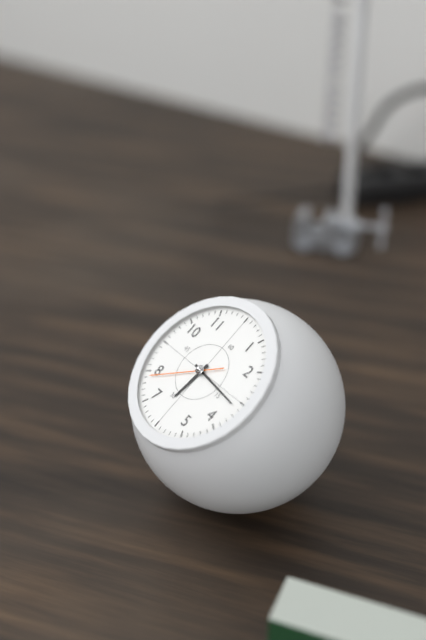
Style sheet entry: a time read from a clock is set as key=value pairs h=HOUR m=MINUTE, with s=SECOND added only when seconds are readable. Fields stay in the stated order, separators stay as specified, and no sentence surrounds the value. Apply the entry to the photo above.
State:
h=6 m=16 s=39
